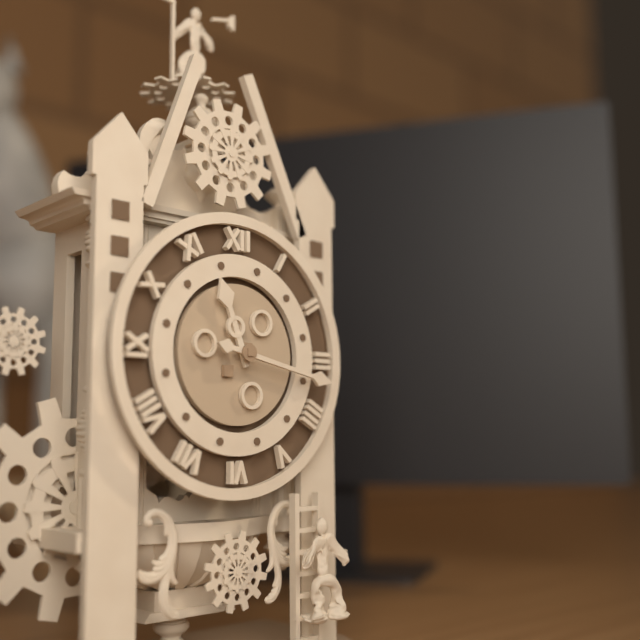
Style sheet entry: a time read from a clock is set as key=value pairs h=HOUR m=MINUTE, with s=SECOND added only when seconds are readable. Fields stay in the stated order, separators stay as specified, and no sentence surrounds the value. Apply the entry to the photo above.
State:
h=11 m=17
